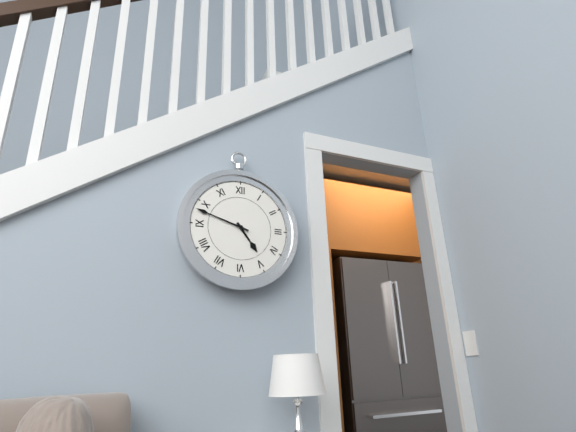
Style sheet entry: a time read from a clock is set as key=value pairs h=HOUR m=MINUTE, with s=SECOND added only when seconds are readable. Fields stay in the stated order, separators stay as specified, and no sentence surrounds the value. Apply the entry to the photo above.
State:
h=4 m=48
